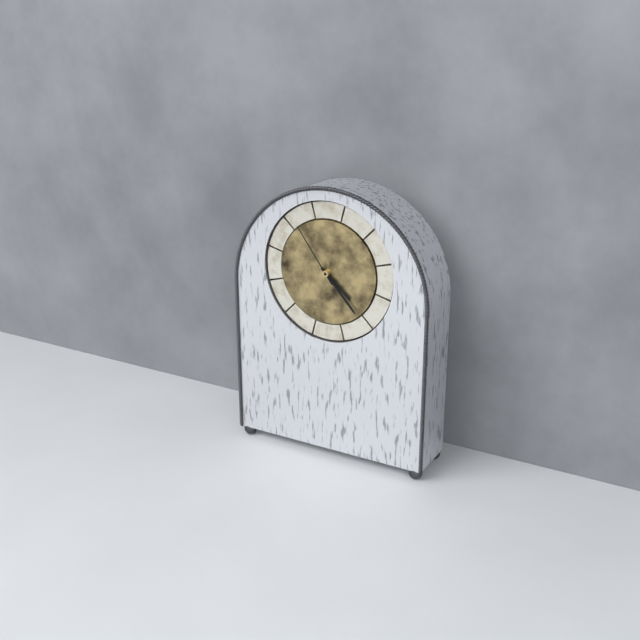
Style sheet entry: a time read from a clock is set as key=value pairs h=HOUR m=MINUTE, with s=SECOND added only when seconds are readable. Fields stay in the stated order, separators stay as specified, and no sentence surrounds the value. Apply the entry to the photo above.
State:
h=4 m=23 s=54
